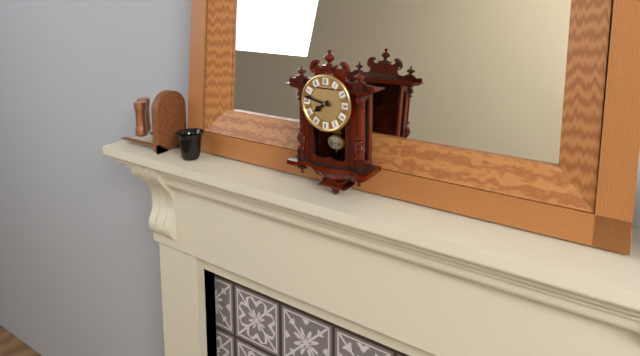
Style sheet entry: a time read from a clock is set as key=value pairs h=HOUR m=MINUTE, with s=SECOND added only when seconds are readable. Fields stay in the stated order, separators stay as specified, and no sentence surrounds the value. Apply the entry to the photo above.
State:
h=7 m=47
